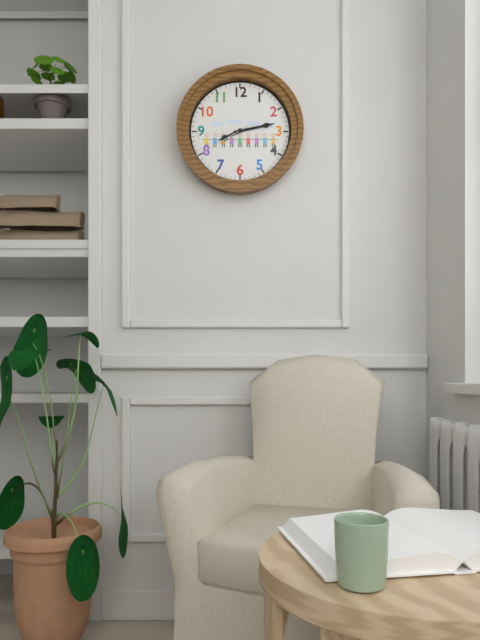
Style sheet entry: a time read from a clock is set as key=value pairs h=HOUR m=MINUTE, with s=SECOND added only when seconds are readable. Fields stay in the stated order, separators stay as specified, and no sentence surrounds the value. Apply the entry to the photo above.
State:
h=8 m=13 s=40
